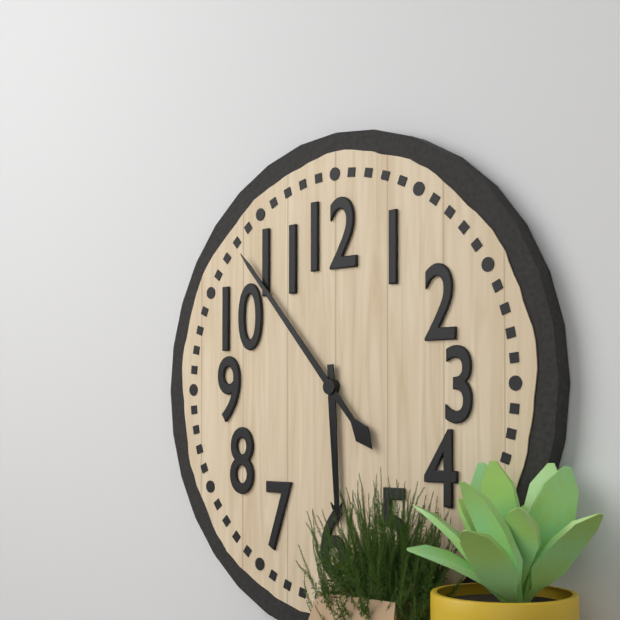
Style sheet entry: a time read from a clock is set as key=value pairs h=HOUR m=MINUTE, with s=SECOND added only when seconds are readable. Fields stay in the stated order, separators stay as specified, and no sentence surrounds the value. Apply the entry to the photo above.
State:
h=5 m=53
